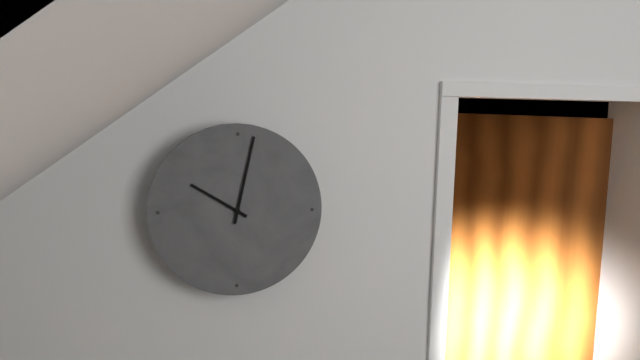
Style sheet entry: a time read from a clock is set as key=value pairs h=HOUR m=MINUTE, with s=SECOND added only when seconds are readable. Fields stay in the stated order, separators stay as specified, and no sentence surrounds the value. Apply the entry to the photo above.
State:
h=10 m=2
